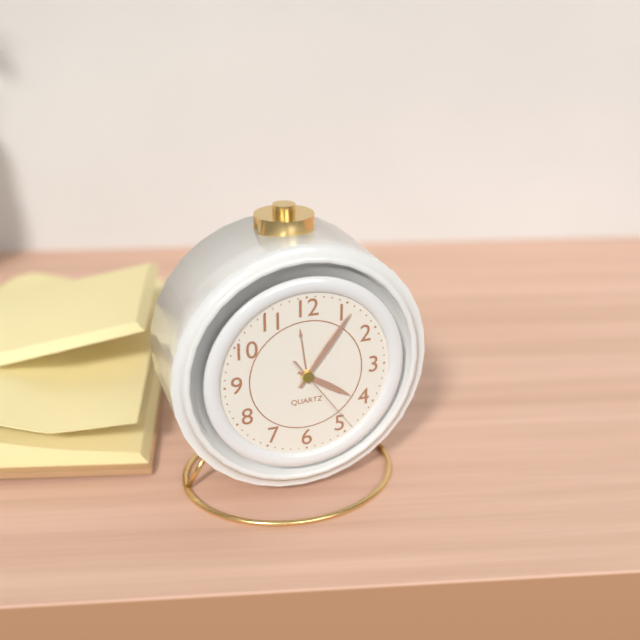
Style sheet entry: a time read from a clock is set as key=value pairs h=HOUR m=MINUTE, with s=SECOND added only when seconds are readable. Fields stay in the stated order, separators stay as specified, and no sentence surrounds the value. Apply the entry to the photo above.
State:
h=4 m=6 s=24
